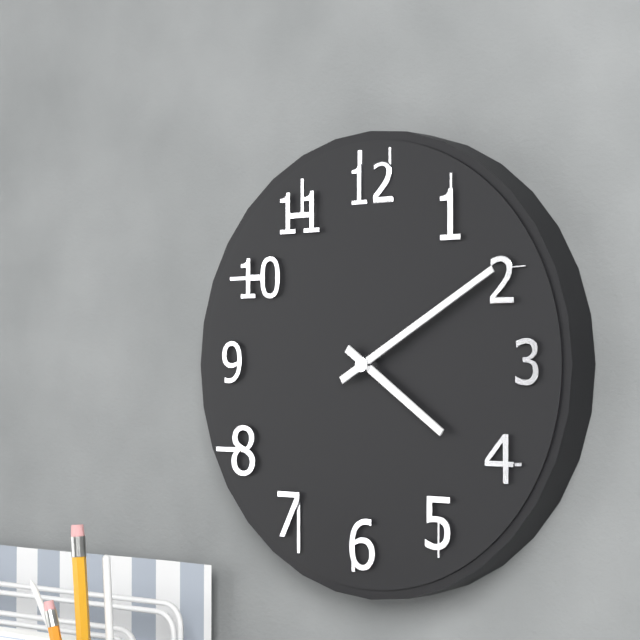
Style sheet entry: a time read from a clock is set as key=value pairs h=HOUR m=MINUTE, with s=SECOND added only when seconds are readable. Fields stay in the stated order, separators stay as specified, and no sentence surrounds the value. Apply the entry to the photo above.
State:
h=4 m=10
